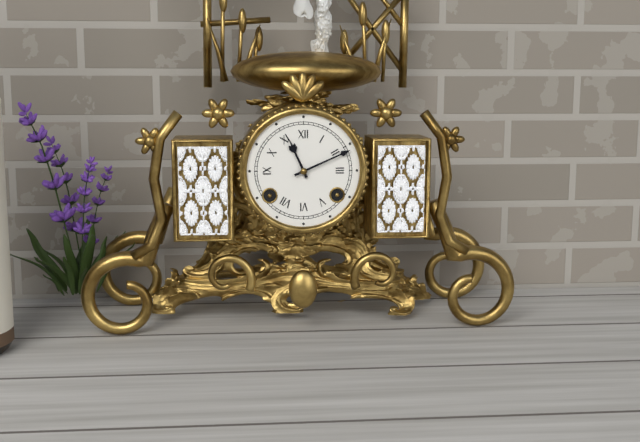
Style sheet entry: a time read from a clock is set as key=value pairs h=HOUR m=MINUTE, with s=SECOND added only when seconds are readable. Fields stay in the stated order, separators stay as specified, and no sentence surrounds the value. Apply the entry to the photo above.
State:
h=11 m=11
